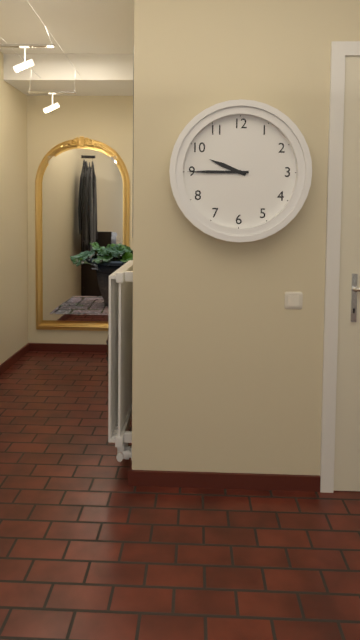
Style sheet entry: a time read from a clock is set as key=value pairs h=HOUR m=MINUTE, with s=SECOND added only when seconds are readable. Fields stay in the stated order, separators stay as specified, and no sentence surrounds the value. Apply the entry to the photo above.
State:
h=9 m=45
